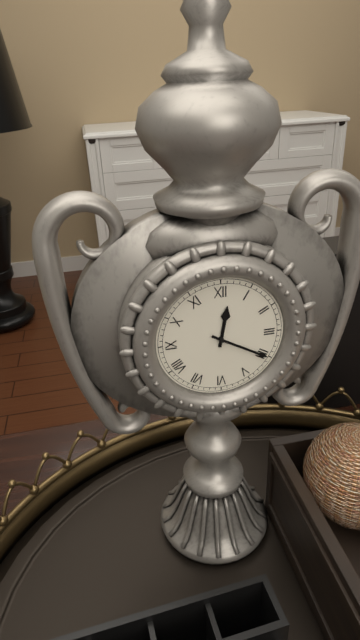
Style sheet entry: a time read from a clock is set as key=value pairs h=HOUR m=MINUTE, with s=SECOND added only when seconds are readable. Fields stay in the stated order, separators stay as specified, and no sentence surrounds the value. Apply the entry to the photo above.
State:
h=12 m=20
